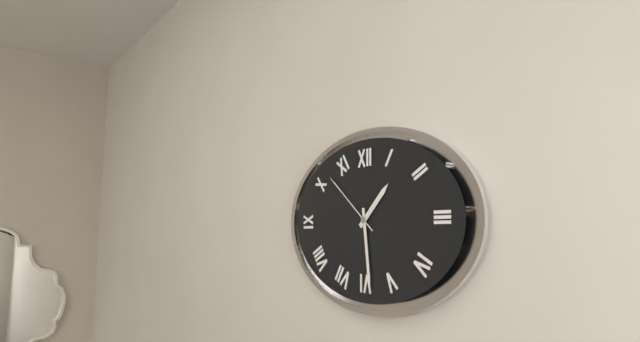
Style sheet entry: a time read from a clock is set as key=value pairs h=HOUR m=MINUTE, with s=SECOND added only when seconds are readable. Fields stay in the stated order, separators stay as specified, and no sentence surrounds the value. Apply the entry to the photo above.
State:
h=1 m=29 s=52
